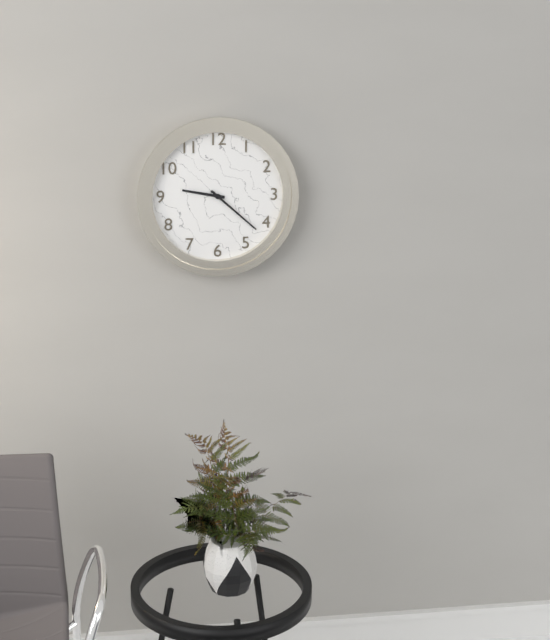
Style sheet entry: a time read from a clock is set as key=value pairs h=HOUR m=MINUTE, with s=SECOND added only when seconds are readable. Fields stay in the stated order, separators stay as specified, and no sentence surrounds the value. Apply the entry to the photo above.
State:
h=9 m=22
